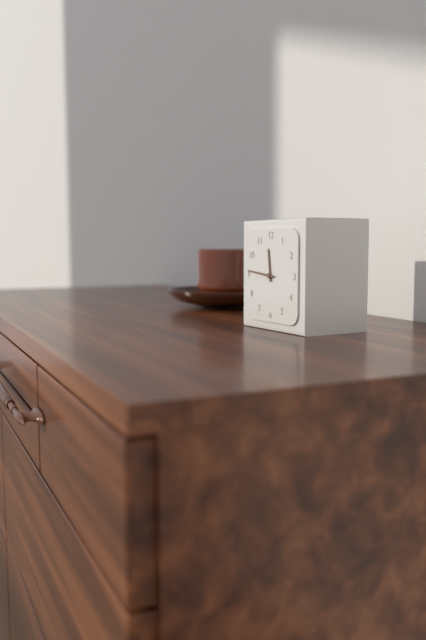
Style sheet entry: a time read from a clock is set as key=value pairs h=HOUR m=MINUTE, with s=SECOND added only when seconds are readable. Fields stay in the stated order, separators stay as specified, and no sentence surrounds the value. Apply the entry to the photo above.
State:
h=11 m=46
